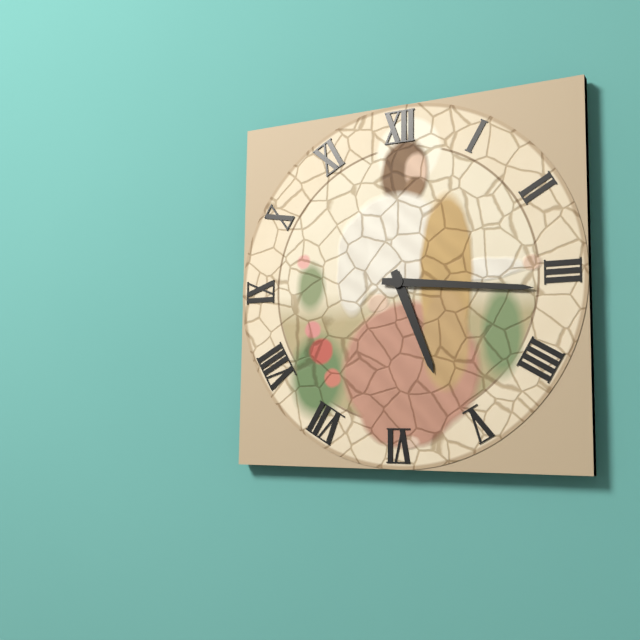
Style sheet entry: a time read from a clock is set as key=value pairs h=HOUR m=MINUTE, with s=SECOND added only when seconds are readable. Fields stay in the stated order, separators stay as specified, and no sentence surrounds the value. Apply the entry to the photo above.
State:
h=5 m=16
